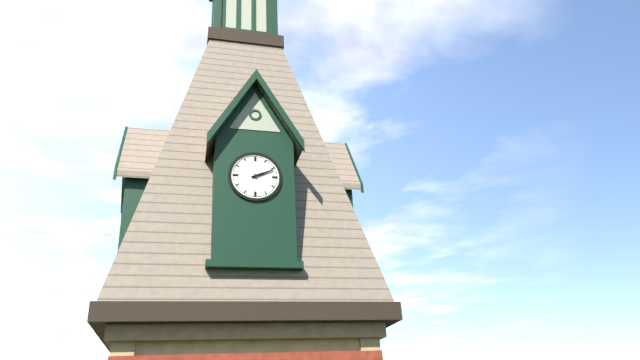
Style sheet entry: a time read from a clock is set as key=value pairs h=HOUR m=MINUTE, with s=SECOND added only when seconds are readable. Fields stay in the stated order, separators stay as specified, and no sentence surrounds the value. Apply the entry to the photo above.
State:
h=2 m=11
